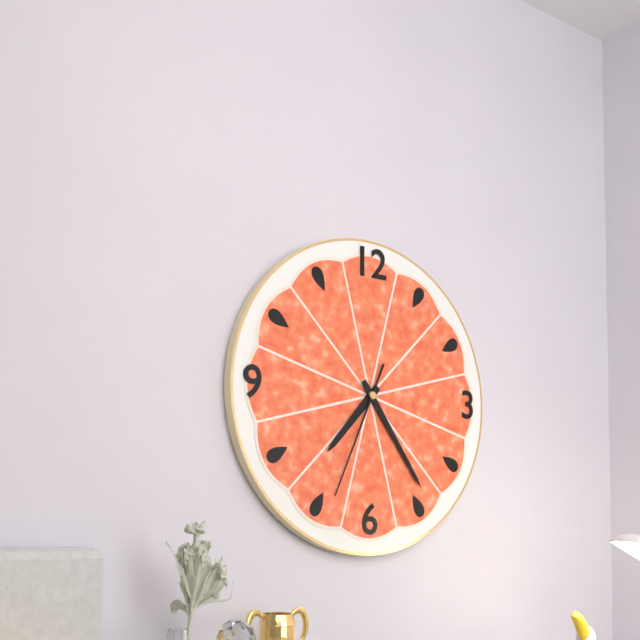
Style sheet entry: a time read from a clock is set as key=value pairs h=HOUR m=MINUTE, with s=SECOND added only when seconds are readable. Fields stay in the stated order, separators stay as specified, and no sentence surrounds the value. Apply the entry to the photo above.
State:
h=7 m=24 s=34
